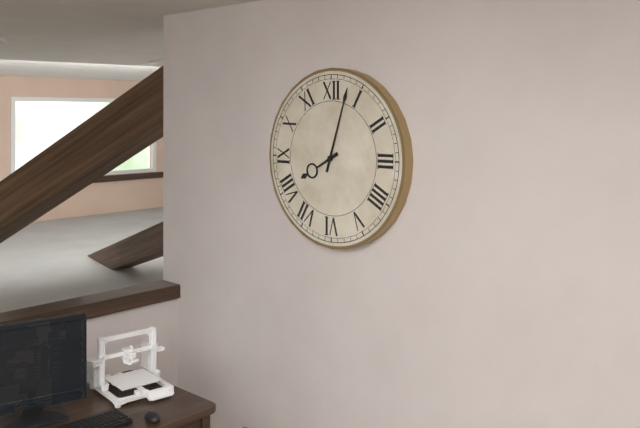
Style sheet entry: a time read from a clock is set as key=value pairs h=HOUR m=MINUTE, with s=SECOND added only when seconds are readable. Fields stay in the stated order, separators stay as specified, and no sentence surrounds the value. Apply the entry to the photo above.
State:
h=8 m=3
